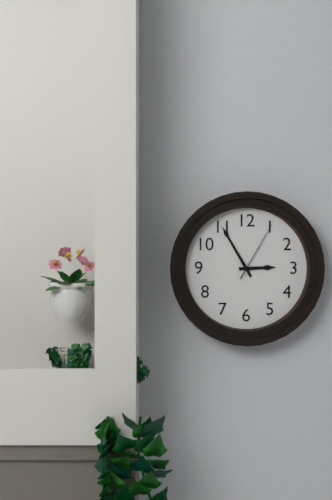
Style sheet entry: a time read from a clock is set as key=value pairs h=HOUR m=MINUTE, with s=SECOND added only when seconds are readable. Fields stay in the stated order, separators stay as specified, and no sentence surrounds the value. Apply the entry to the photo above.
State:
h=2 m=55 s=5
